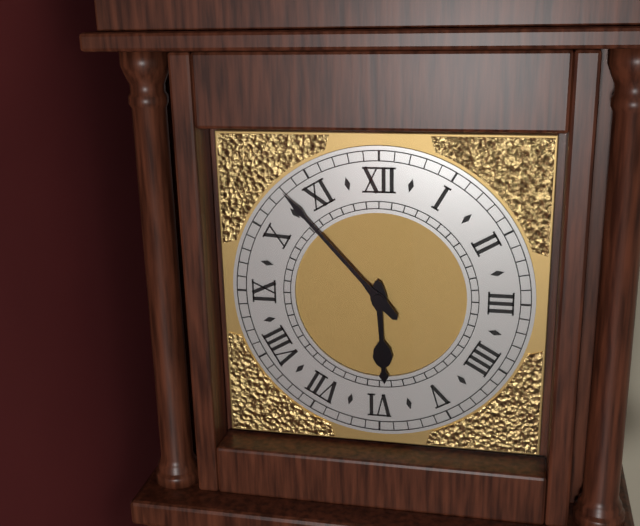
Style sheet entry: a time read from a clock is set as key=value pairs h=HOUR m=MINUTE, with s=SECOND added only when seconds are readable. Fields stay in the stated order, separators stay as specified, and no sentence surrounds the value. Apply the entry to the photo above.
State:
h=5 m=53
